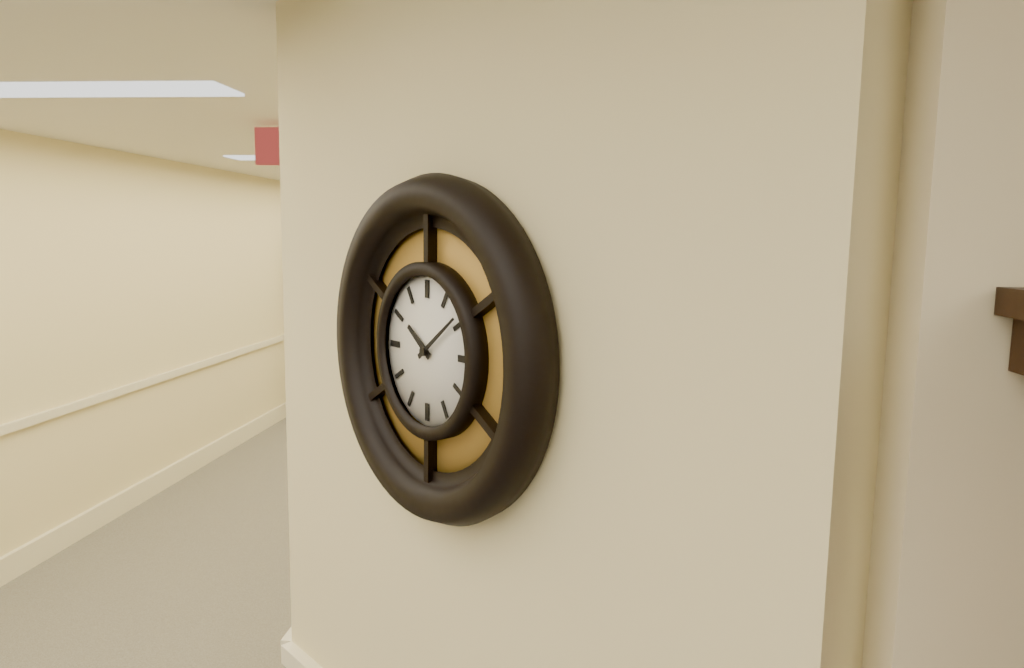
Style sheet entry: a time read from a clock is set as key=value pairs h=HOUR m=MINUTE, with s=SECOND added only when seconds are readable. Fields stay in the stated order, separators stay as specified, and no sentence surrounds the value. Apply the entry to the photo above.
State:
h=10 m=9
